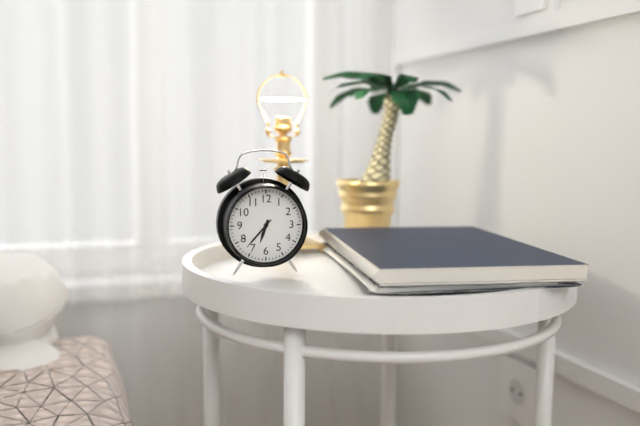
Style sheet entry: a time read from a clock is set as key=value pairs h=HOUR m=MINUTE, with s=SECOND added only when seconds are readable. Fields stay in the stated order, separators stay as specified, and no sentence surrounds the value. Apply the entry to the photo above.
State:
h=6 m=37
